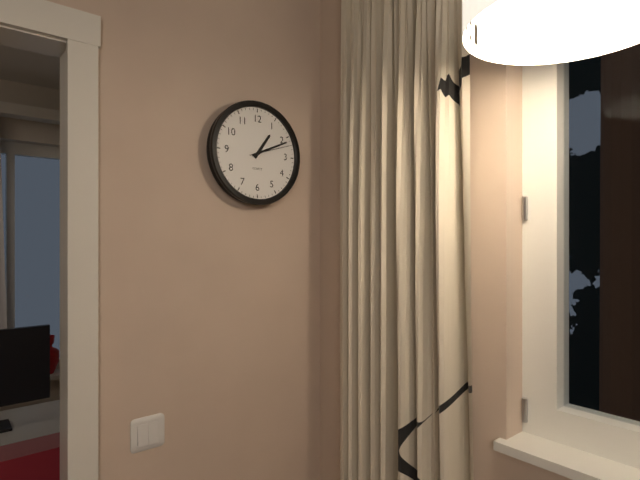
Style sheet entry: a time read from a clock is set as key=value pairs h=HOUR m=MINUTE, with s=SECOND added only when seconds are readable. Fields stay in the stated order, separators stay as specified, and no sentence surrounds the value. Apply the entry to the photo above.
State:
h=1 m=11
